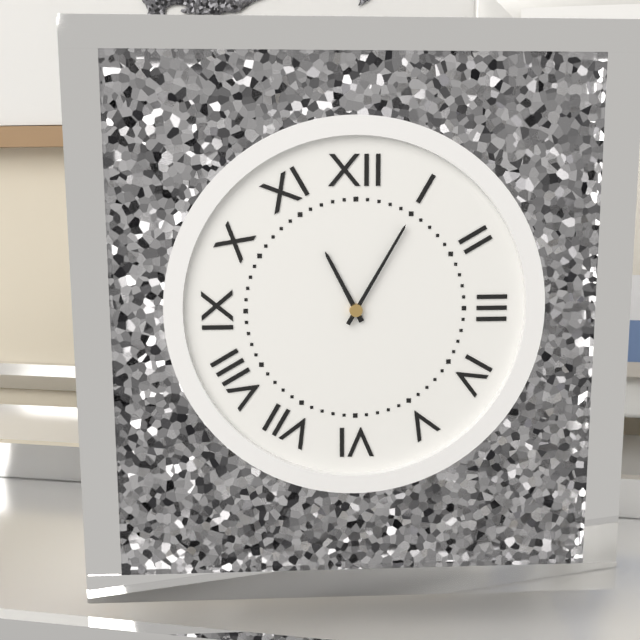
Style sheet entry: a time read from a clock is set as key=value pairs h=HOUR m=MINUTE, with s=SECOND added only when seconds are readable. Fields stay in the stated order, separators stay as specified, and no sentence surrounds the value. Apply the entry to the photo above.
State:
h=11 m=5
